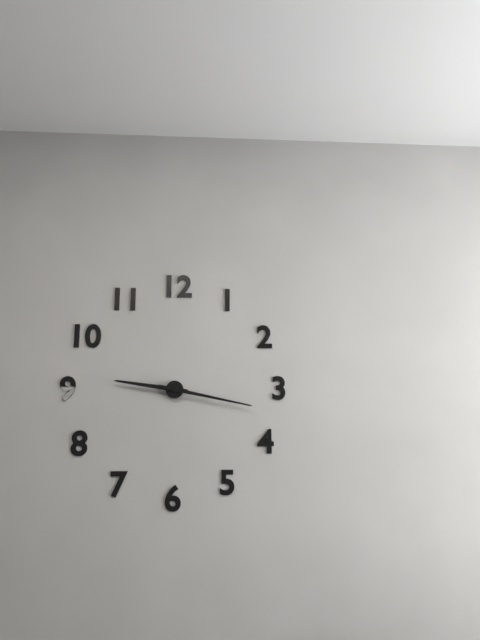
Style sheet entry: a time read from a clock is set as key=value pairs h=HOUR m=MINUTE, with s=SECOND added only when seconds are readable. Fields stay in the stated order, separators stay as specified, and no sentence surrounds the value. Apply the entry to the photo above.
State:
h=9 m=17
